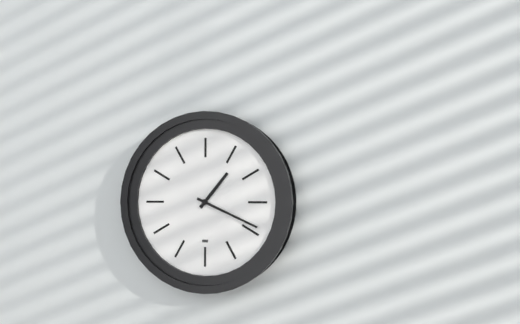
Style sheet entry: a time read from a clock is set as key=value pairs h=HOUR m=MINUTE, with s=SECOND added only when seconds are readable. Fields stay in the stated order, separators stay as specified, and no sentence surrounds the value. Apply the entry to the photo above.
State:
h=1 m=19
